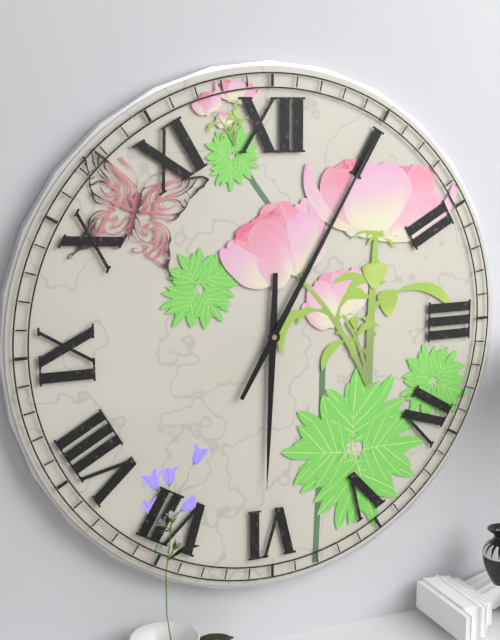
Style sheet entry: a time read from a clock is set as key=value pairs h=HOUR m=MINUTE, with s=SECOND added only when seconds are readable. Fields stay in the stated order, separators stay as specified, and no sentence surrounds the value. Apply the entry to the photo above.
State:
h=6 m=5
